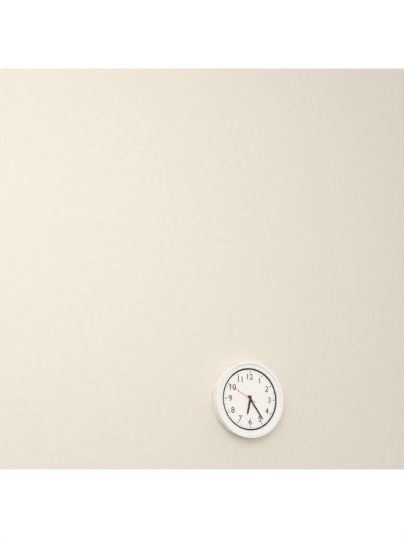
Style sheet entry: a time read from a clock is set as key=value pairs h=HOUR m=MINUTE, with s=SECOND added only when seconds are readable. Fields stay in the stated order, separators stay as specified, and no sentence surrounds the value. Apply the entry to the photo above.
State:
h=6 m=24
